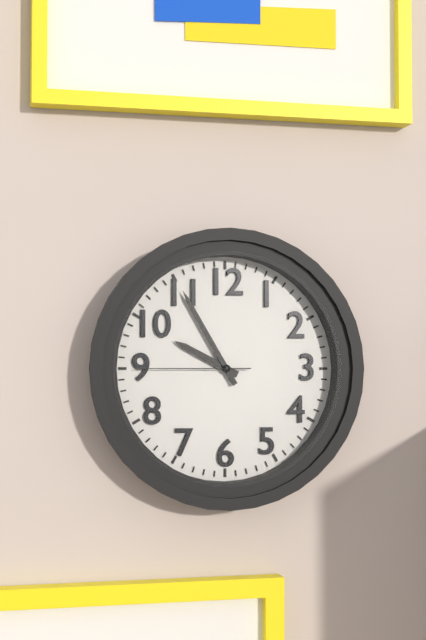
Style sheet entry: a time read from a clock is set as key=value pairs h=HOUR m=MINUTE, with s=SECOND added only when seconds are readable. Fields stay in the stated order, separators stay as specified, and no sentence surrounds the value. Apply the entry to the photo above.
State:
h=9 m=55 s=45
